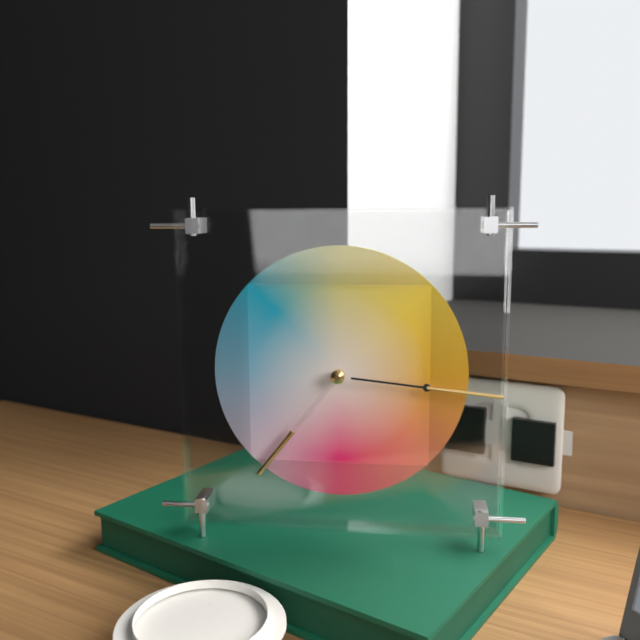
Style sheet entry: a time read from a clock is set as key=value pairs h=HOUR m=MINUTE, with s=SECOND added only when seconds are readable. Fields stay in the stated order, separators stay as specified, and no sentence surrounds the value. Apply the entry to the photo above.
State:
h=7 m=16
